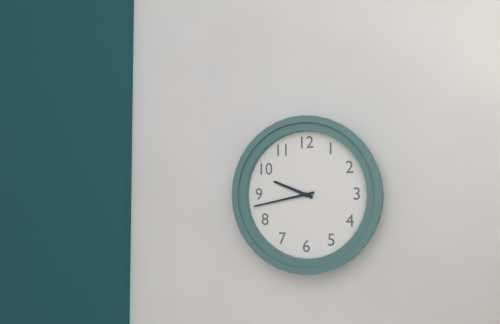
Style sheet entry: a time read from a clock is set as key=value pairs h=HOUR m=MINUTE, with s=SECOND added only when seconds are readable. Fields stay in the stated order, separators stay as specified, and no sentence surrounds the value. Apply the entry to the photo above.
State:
h=9 m=43
